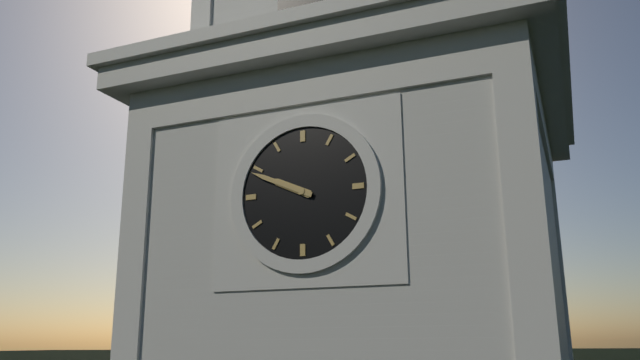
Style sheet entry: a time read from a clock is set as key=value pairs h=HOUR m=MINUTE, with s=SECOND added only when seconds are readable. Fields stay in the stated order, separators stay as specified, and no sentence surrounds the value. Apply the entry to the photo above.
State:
h=9 m=49
